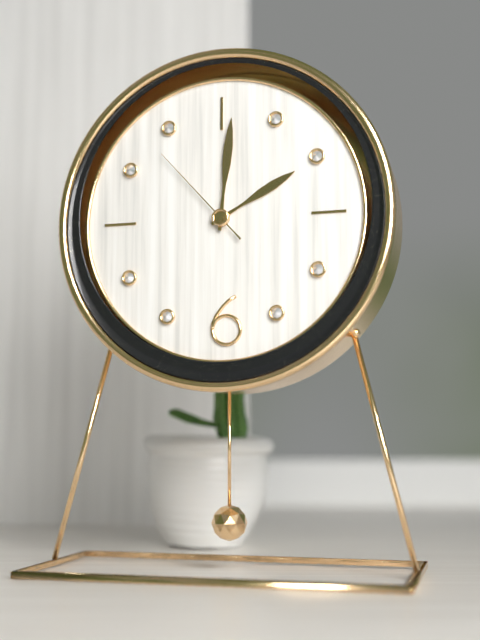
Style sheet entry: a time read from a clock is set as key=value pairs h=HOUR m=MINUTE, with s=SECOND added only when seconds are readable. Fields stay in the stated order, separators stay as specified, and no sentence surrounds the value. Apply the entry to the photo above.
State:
h=2 m=1 s=53
